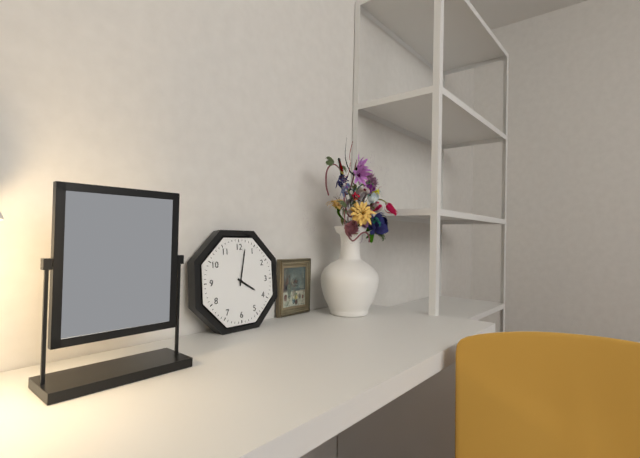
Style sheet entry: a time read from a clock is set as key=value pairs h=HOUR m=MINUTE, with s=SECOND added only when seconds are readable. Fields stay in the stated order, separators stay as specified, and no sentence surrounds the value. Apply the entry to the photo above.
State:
h=4 m=2
